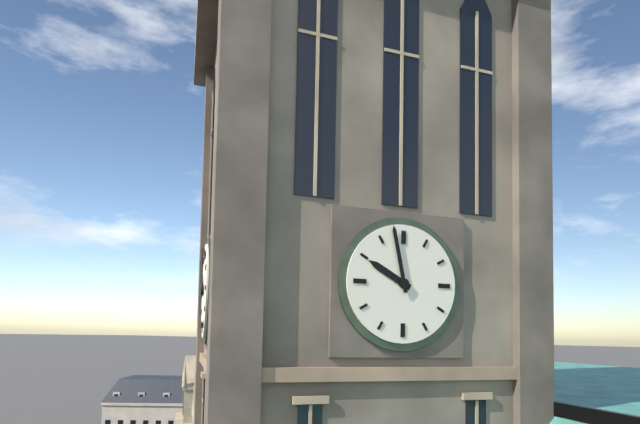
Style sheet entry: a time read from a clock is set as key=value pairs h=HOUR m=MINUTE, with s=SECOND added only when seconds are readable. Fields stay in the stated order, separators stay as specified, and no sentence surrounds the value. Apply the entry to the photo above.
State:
h=9 m=58
